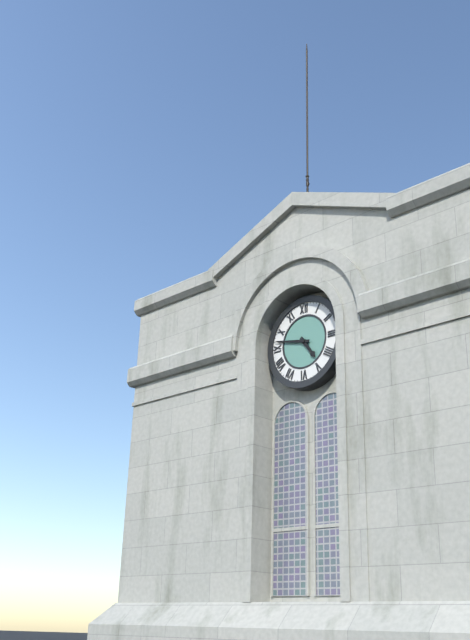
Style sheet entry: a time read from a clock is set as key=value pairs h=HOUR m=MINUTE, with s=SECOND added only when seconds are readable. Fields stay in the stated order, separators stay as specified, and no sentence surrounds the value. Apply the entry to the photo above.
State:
h=4 m=47
